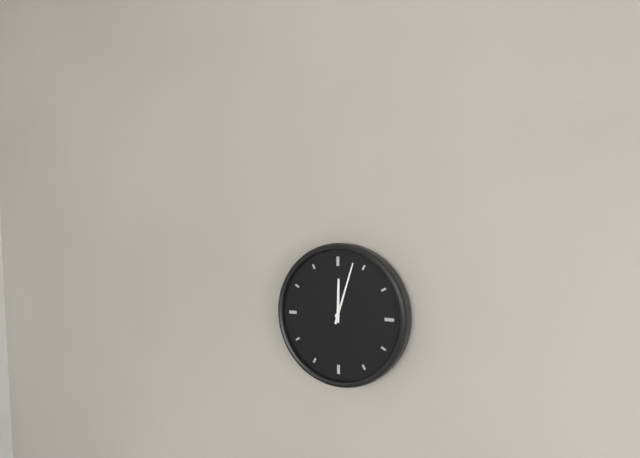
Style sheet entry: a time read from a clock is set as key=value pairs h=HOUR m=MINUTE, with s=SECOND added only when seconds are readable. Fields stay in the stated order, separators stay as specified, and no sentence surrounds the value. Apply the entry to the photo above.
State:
h=12 m=3
